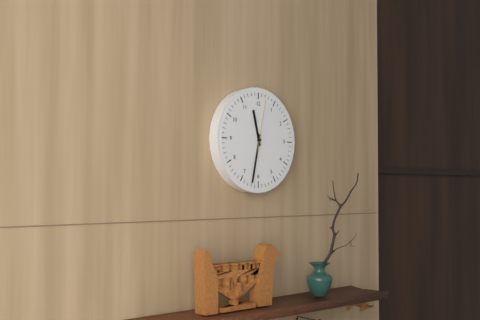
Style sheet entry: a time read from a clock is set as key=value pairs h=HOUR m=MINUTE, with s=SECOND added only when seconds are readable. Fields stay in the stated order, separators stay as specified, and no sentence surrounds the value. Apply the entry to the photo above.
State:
h=11 m=32 s=2
